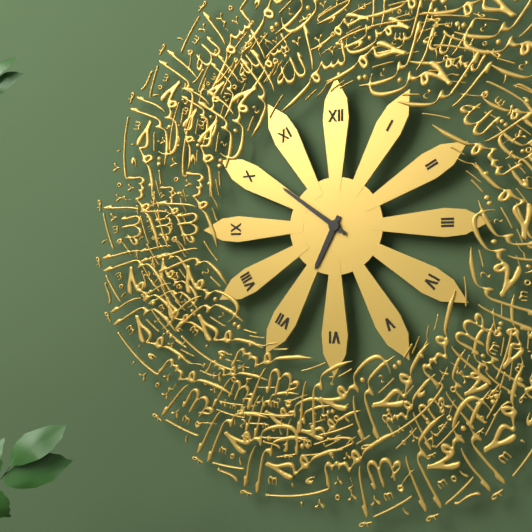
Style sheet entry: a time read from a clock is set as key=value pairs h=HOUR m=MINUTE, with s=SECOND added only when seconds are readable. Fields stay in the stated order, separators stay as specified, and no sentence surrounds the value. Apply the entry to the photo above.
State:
h=6 m=51
